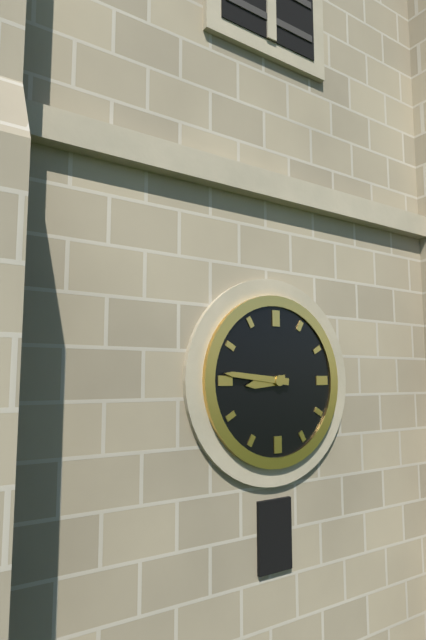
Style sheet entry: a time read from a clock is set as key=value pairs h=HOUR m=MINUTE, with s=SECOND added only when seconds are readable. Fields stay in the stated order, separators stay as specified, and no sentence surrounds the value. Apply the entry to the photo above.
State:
h=8 m=46
